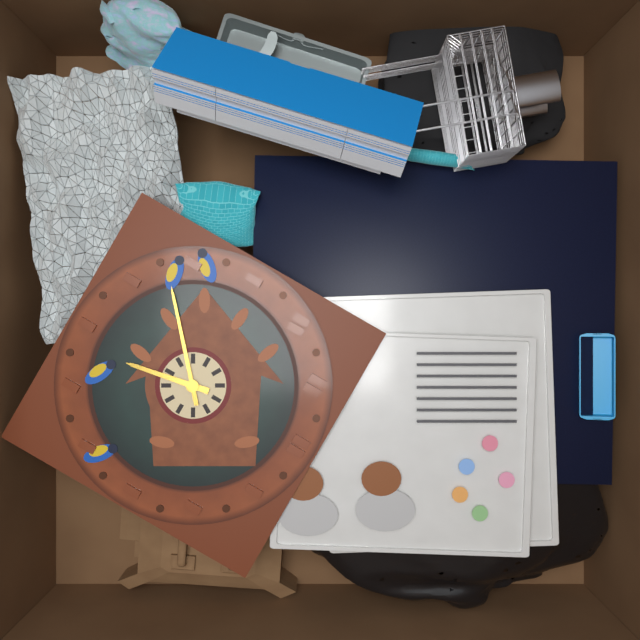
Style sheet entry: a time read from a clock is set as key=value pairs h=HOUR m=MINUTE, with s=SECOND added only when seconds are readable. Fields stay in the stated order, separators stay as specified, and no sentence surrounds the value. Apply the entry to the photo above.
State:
h=5 m=38
